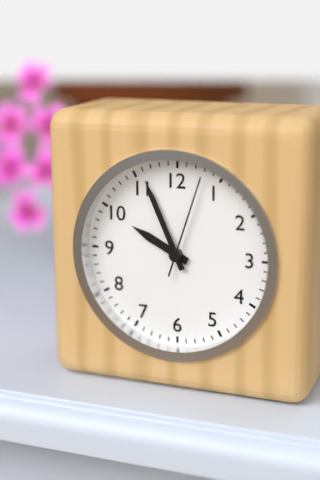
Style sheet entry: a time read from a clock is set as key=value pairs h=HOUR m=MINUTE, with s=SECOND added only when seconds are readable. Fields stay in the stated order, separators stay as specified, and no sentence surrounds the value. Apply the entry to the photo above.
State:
h=9 m=56 s=3
